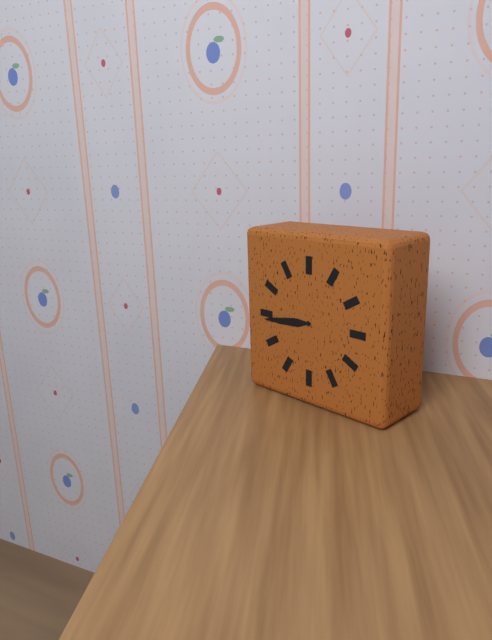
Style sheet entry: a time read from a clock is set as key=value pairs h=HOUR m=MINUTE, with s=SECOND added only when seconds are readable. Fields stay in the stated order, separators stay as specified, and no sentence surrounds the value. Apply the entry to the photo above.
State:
h=8 m=44
